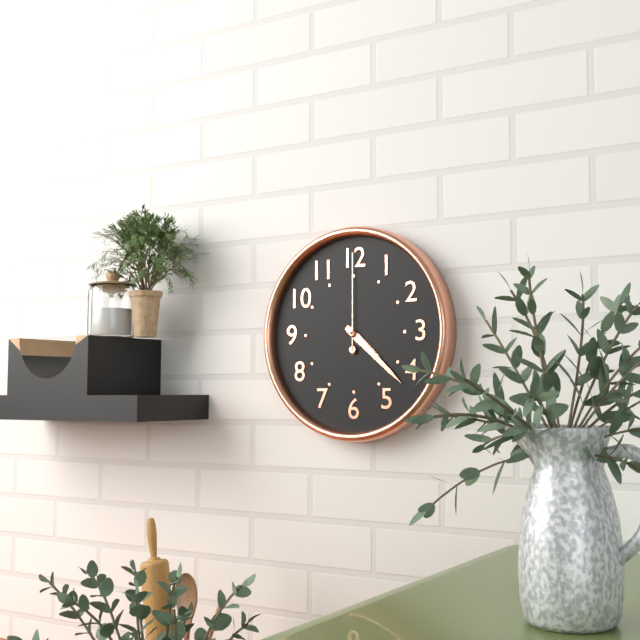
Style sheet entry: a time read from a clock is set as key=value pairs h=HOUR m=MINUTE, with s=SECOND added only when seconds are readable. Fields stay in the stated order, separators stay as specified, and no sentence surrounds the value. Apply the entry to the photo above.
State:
h=4 m=22 s=0
